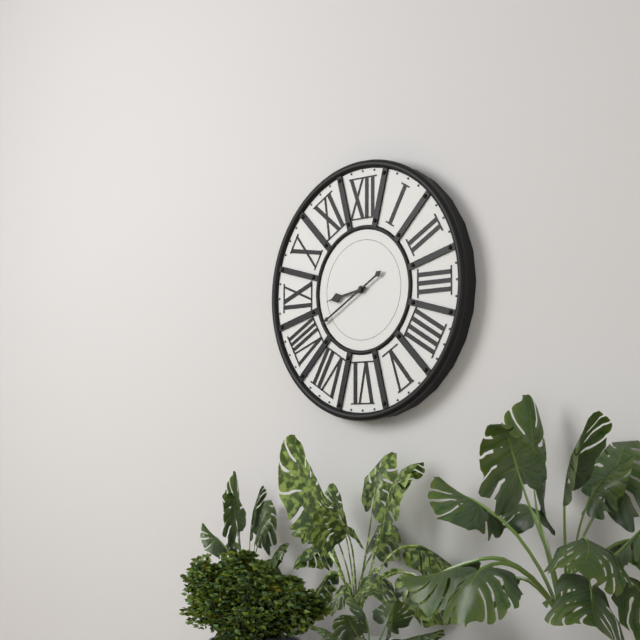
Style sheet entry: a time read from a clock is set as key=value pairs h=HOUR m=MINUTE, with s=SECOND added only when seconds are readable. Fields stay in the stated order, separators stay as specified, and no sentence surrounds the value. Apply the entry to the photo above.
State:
h=8 m=40
